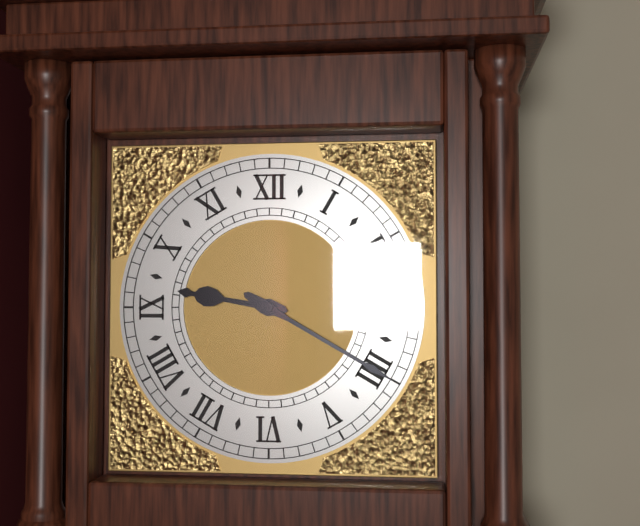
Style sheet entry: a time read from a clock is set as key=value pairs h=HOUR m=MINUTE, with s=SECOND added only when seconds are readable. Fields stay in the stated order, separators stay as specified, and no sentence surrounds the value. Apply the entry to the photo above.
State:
h=9 m=20
